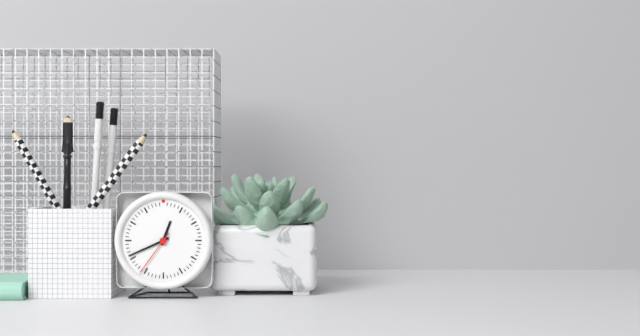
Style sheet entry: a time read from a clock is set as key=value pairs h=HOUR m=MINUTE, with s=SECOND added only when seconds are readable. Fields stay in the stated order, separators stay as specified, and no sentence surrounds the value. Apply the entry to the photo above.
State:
h=12 m=41
